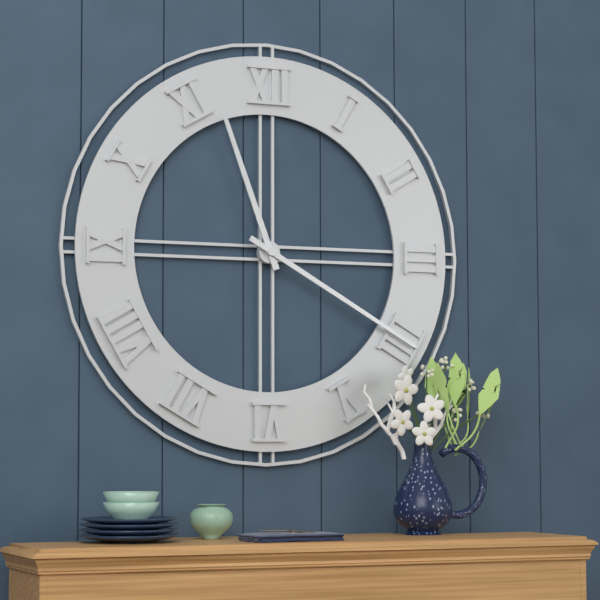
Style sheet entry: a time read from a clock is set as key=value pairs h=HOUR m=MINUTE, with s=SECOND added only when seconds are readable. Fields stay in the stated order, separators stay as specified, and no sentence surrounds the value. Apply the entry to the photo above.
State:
h=11 m=20
